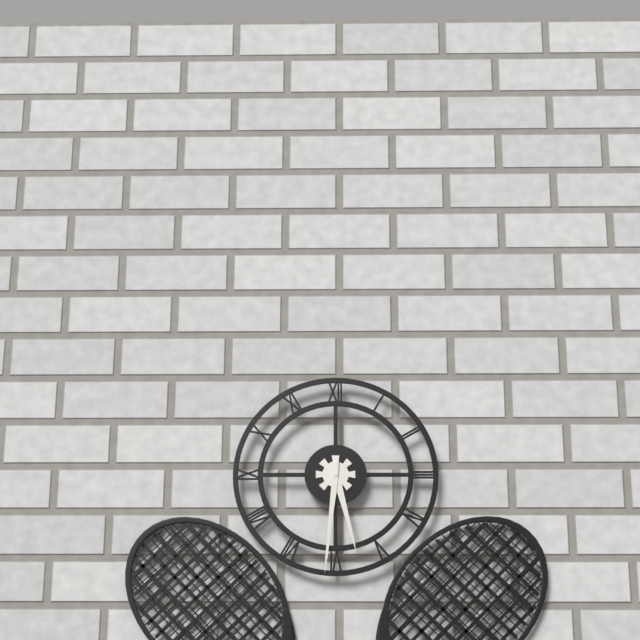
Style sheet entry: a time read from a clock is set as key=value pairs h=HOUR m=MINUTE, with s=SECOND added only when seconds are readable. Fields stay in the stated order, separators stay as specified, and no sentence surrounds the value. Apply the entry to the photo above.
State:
h=5 m=31
